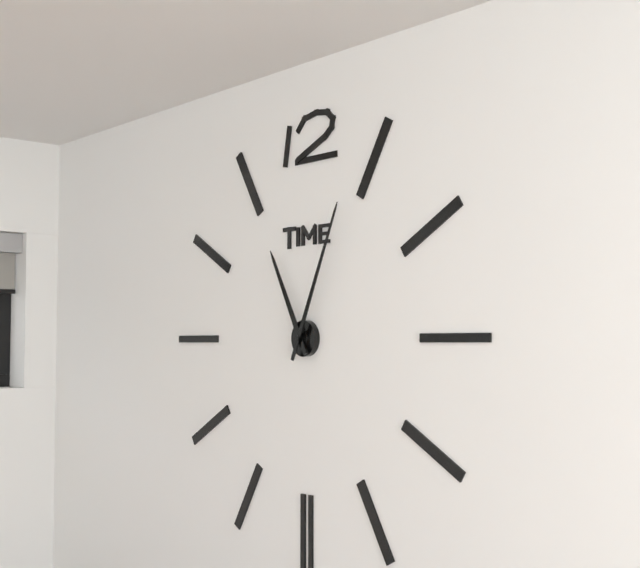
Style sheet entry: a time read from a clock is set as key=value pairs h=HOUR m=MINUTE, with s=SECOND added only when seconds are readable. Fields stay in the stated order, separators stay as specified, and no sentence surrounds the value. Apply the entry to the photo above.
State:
h=11 m=4
